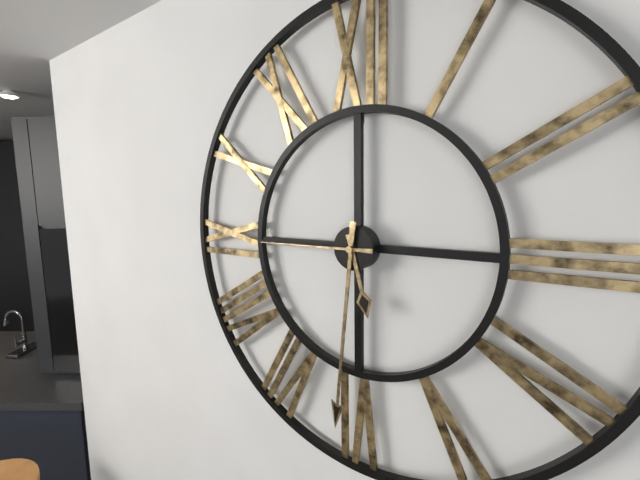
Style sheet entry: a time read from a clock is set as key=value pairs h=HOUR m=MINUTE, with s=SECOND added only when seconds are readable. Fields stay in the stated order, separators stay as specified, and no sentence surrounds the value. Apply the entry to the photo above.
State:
h=5 m=31 s=45
